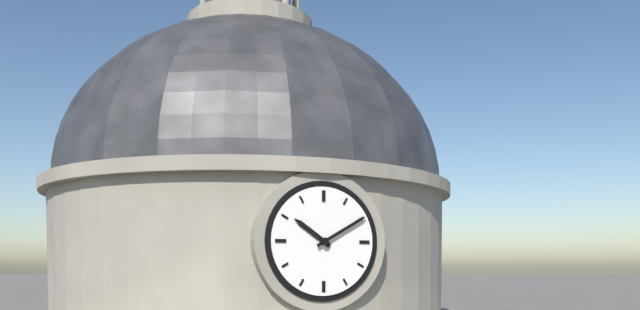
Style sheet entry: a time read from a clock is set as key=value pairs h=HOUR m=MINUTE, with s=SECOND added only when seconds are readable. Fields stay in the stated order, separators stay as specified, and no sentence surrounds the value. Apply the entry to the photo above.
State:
h=10 m=10
